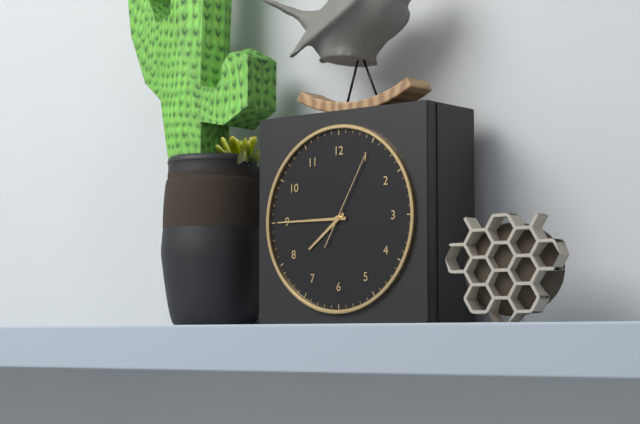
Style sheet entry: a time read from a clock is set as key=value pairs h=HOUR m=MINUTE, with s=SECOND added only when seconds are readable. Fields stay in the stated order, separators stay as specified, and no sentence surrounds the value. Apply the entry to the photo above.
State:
h=7 m=45 s=5
